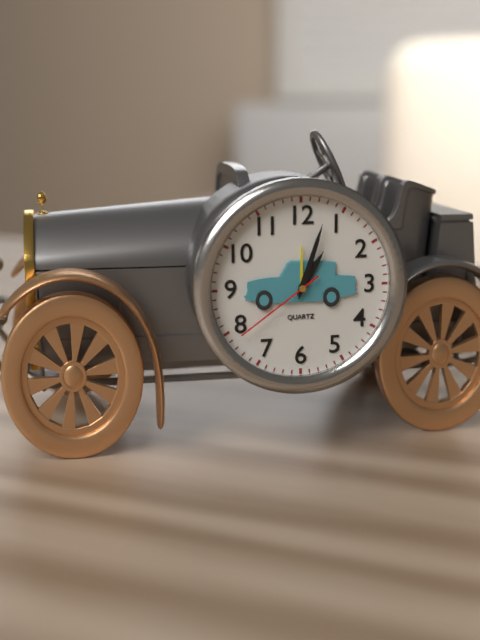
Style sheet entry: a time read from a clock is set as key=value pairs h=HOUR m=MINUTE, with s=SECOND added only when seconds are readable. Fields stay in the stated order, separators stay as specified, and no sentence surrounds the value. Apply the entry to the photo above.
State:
h=1 m=3 s=39
